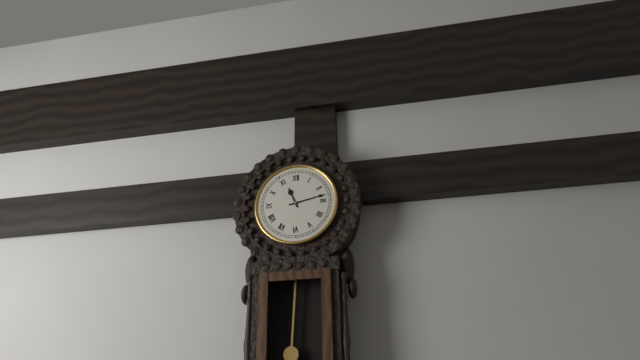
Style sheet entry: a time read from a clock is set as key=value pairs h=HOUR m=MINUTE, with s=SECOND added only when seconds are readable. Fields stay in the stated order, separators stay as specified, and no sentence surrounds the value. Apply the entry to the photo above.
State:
h=11 m=13
